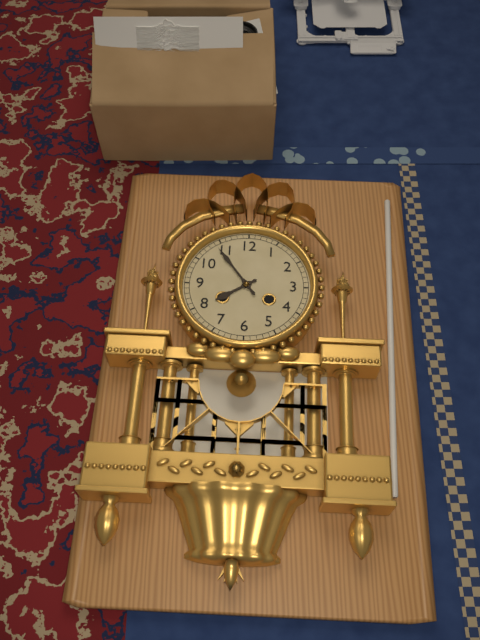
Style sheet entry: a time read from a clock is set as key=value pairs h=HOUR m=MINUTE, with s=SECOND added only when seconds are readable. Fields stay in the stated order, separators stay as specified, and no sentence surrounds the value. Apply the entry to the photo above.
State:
h=7 m=54
